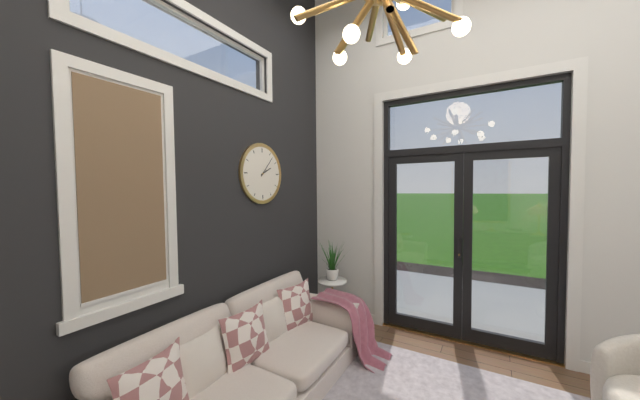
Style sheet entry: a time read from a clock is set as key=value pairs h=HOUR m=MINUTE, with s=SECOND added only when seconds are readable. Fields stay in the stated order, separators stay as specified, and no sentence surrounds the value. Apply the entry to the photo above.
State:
h=2 m=7
